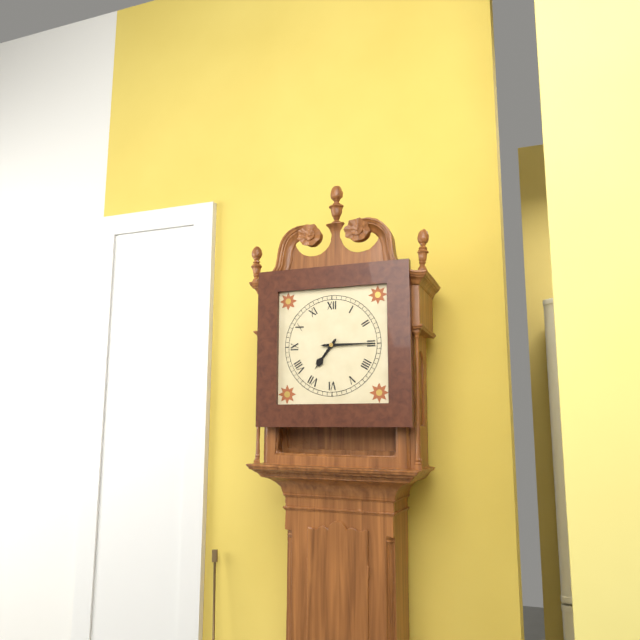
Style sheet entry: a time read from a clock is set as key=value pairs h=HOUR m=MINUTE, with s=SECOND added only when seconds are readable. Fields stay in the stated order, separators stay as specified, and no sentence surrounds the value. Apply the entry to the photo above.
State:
h=7 m=15
